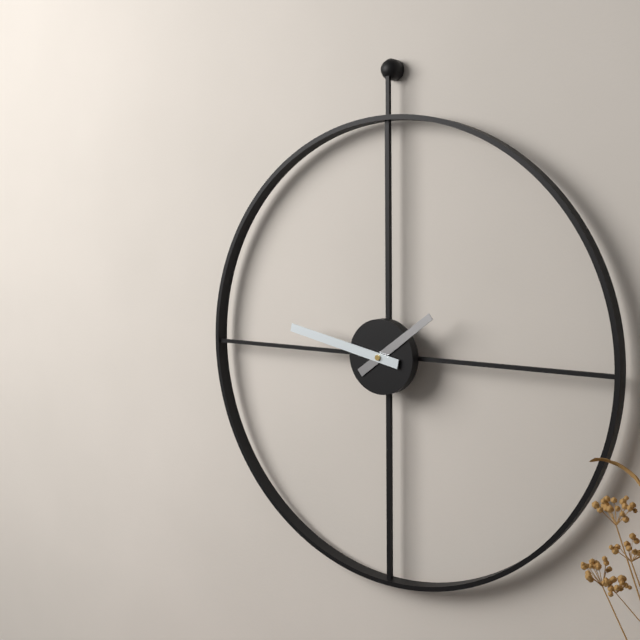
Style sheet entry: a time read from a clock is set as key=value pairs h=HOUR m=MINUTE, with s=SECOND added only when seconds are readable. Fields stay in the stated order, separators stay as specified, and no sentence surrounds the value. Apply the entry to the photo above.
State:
h=1 m=47
